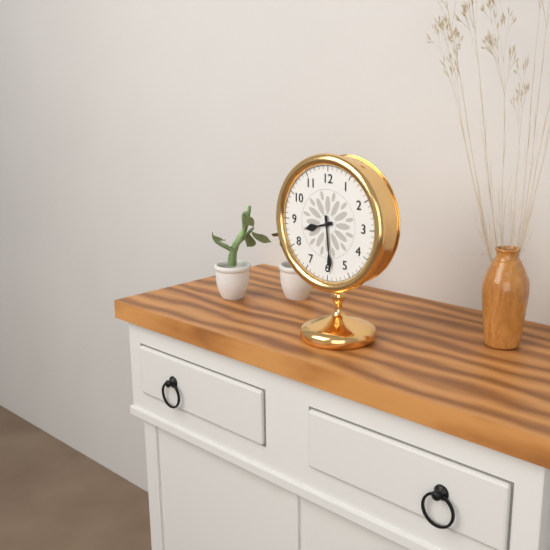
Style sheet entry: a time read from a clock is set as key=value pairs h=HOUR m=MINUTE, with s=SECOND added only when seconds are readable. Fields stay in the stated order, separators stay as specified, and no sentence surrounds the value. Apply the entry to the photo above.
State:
h=8 m=29
